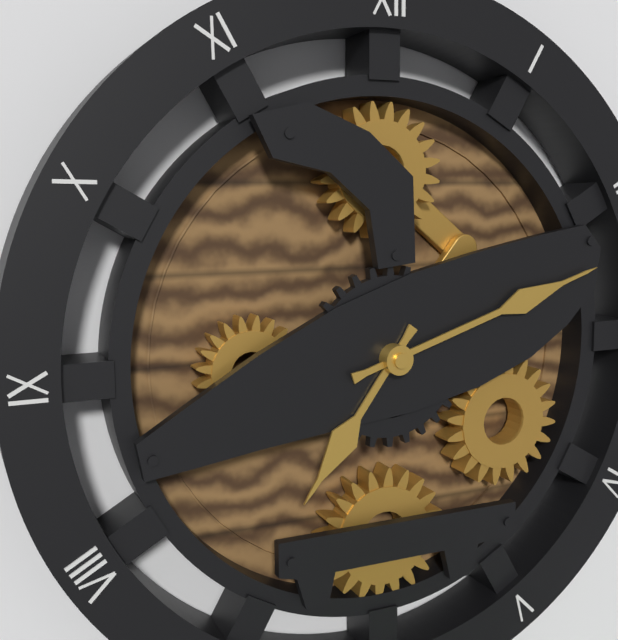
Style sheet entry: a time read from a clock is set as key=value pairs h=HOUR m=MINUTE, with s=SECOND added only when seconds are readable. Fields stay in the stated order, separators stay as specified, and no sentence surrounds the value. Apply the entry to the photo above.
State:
h=7 m=12
